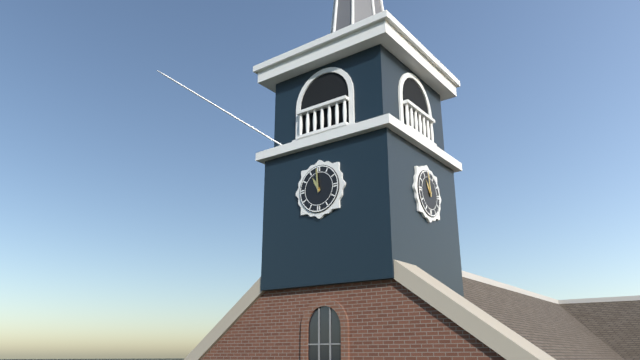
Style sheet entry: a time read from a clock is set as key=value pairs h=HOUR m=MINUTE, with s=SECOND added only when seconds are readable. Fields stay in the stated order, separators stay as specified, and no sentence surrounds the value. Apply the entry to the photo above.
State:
h=10 m=59
